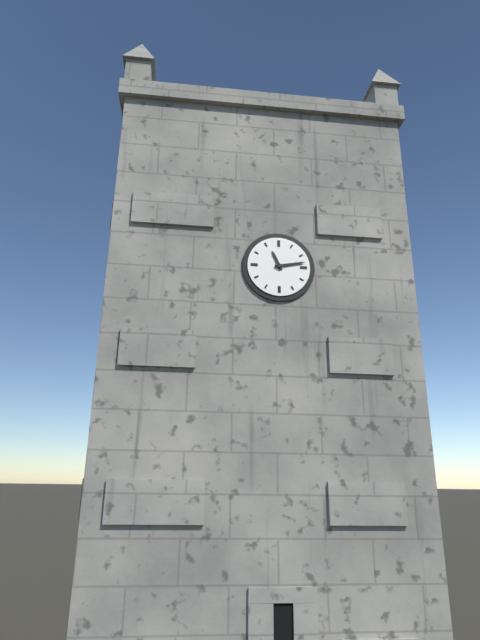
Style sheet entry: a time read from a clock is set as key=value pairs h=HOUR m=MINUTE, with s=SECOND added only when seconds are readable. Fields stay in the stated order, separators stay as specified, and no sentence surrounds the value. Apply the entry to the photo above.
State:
h=11 m=13
